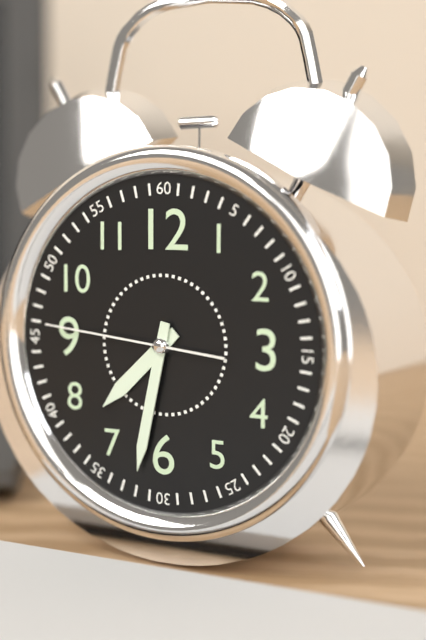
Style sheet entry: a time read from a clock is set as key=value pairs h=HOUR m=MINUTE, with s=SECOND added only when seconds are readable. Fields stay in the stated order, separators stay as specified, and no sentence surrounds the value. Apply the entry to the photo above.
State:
h=7 m=32 s=46
